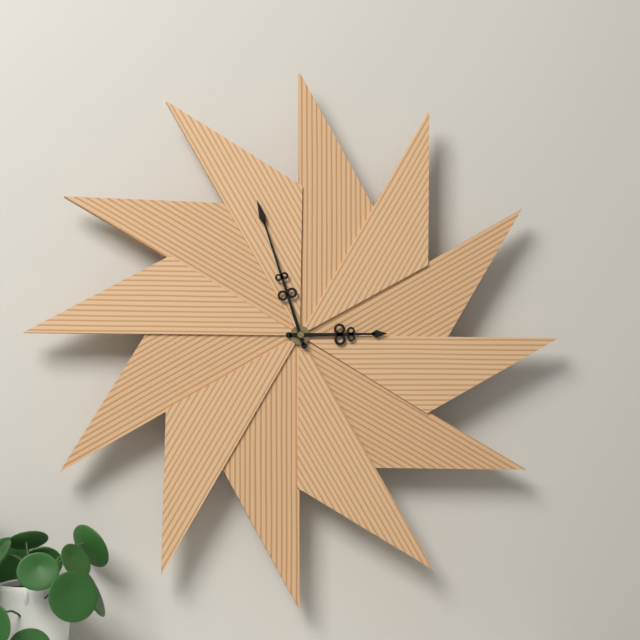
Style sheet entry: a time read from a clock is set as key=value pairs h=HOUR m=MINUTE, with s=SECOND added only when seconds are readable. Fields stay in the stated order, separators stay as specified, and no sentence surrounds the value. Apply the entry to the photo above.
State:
h=2 m=57
